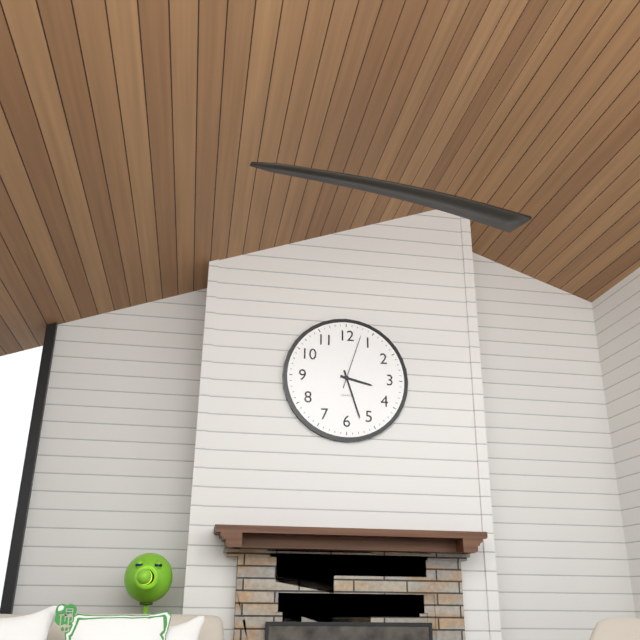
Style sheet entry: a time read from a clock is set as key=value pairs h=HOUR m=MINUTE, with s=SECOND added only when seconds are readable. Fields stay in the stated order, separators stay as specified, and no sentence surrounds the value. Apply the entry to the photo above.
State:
h=3 m=27 s=3
